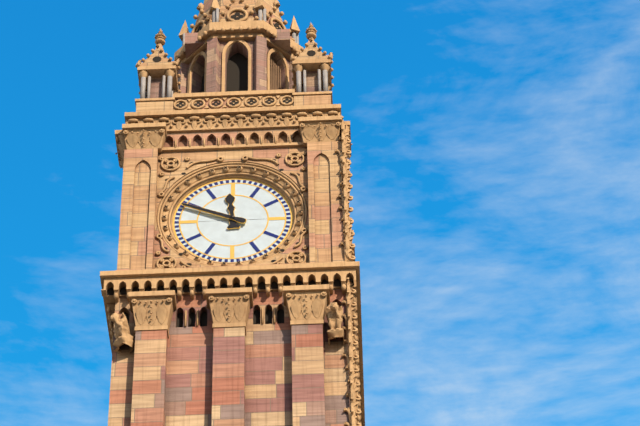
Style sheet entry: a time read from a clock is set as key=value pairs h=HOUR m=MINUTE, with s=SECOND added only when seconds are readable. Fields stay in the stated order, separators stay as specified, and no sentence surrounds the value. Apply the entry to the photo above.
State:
h=11 m=49
